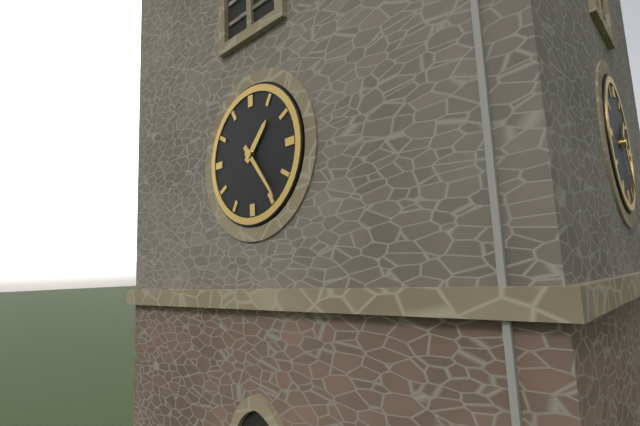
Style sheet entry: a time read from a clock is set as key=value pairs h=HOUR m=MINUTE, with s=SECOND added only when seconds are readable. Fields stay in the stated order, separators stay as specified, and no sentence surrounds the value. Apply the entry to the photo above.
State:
h=1 m=24
